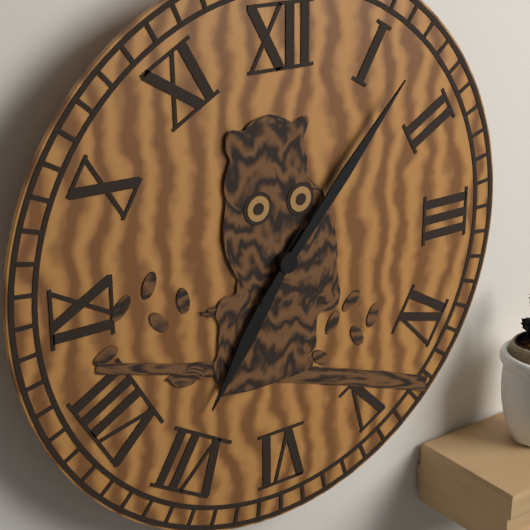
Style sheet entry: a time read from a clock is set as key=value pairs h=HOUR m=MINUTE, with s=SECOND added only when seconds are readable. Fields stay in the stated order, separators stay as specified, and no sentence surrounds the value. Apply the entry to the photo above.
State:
h=7 m=7
